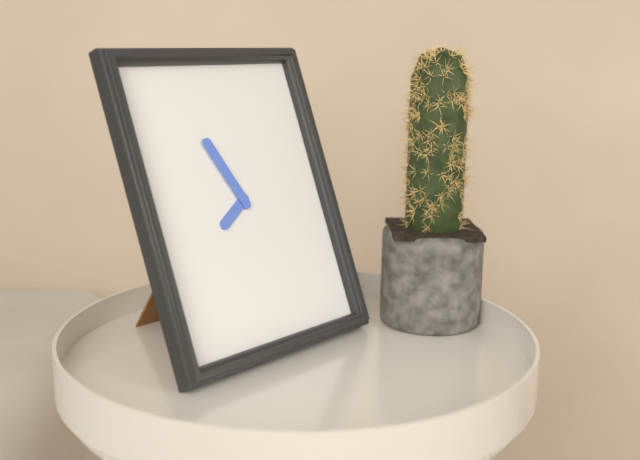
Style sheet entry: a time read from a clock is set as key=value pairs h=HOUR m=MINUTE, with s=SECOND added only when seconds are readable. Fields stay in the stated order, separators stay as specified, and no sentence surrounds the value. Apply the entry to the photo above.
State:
h=7 m=56
